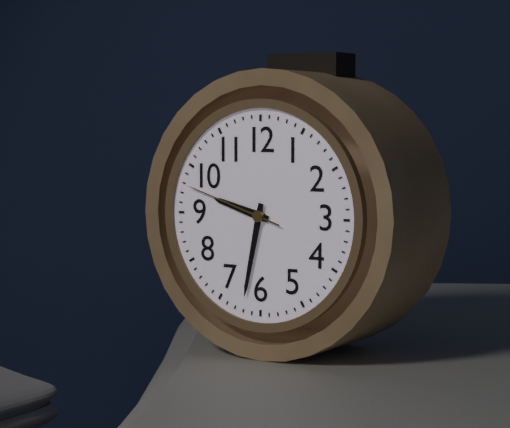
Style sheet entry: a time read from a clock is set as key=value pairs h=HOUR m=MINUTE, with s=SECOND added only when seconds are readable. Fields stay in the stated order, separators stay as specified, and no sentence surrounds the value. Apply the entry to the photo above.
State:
h=9 m=32 s=48
